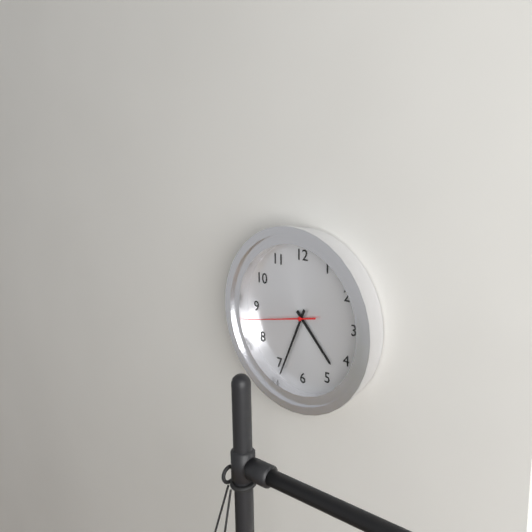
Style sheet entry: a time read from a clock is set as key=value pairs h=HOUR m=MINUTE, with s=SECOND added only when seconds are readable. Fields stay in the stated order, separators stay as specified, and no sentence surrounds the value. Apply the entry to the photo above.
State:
h=4 m=34 s=43
